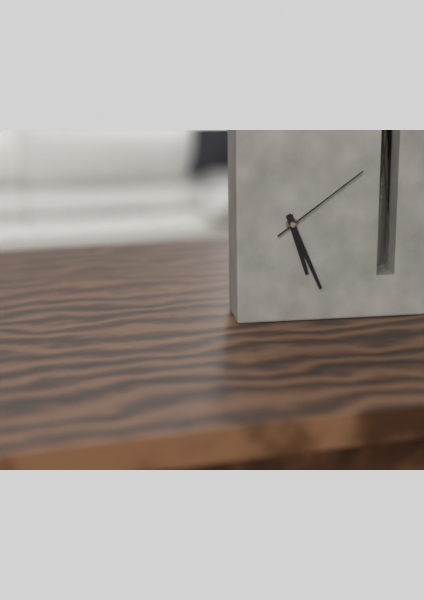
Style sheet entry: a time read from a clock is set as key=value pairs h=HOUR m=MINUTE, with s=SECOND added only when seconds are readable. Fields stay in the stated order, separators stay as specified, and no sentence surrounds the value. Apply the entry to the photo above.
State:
h=5 m=26 s=9
